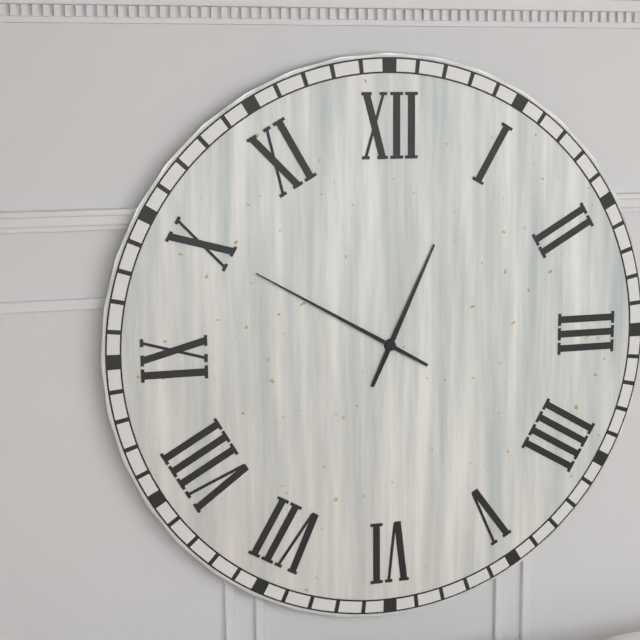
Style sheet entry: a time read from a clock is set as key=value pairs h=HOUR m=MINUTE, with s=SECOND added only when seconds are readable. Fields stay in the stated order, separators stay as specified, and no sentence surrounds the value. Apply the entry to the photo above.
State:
h=12 m=50
